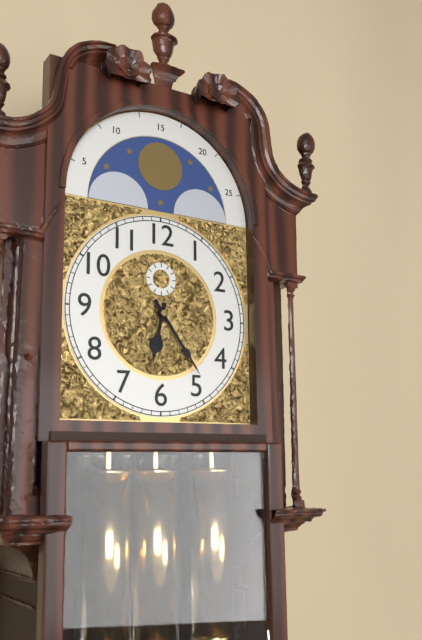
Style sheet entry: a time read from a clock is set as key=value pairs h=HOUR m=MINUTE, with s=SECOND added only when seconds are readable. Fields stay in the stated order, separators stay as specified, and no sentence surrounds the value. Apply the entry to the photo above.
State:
h=6 m=24
